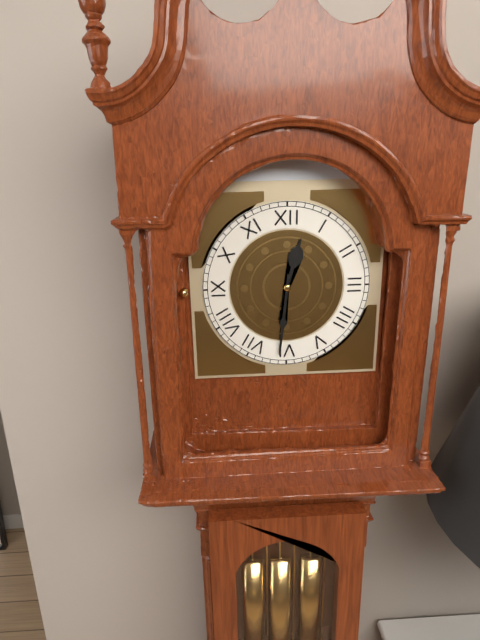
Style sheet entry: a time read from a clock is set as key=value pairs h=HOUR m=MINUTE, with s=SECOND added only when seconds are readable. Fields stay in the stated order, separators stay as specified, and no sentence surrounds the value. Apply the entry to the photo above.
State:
h=12 m=31
